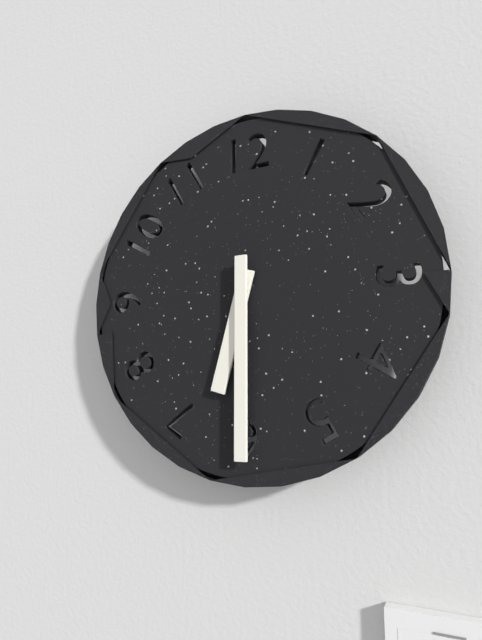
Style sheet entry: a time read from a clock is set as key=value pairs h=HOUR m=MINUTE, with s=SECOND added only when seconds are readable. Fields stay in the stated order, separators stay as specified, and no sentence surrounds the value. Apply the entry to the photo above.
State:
h=6 m=30
